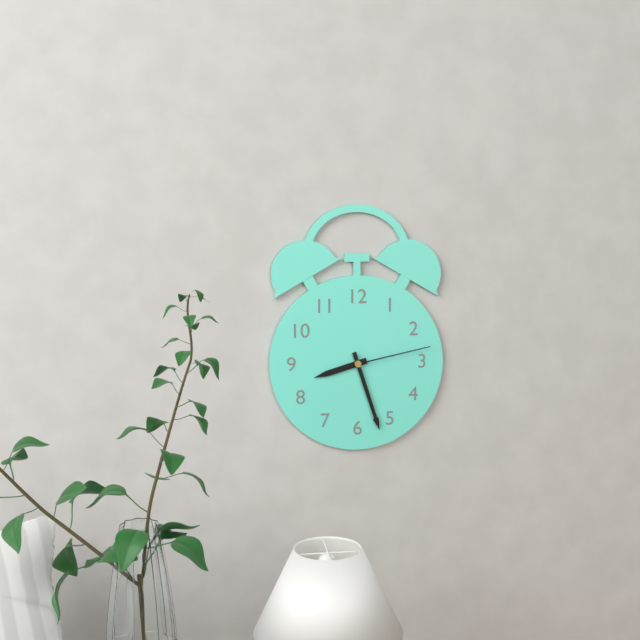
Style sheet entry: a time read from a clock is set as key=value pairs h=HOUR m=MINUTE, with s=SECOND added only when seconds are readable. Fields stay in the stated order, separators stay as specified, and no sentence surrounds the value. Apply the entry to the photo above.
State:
h=8 m=27 s=13
